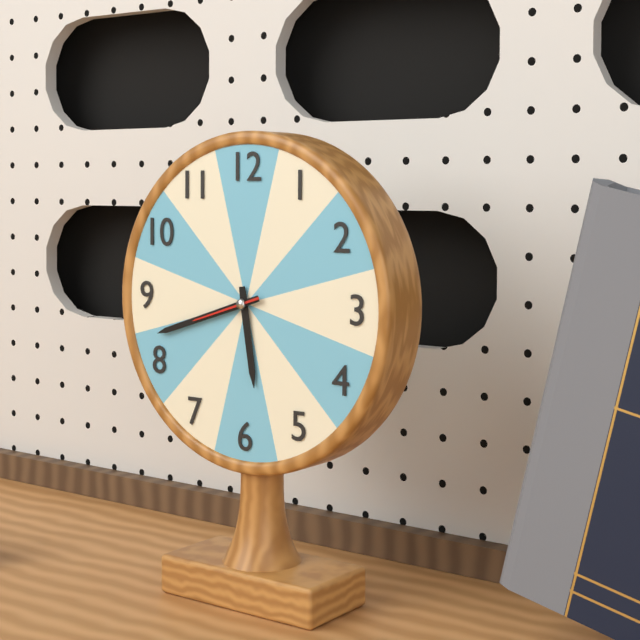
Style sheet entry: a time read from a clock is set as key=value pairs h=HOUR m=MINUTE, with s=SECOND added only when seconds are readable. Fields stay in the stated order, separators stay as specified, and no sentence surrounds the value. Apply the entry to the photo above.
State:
h=5 m=42 s=42
